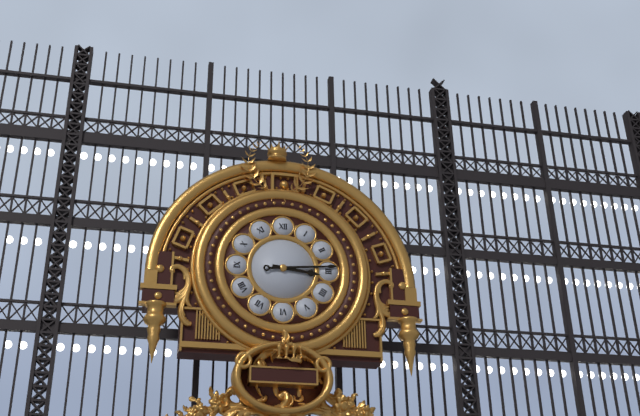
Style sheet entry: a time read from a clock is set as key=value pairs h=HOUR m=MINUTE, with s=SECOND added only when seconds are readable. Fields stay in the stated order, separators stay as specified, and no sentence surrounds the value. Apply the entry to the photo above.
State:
h=3 m=14
